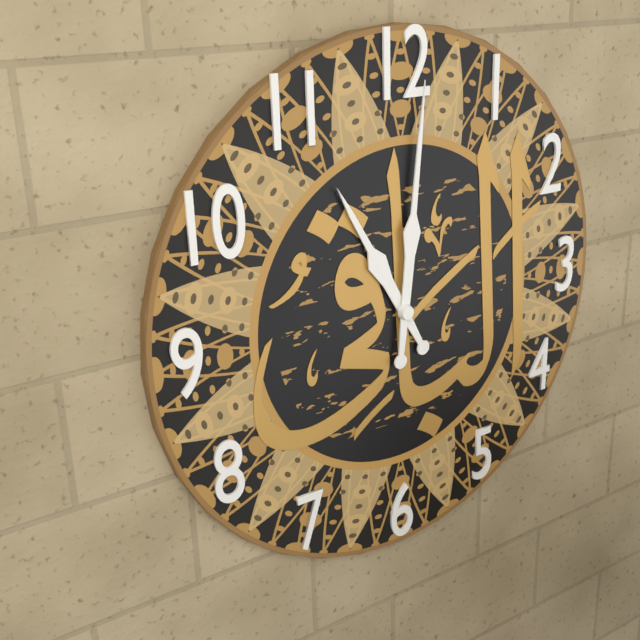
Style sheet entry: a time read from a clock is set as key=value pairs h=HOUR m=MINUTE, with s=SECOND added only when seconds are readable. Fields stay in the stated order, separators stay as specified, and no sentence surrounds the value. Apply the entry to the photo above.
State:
h=11 m=1
